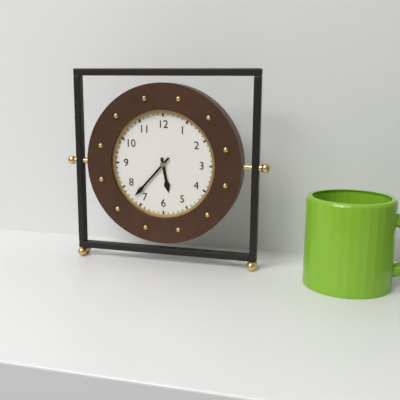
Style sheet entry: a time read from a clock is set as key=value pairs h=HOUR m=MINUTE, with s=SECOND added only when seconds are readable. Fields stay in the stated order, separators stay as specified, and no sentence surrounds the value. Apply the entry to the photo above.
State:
h=5 m=37
